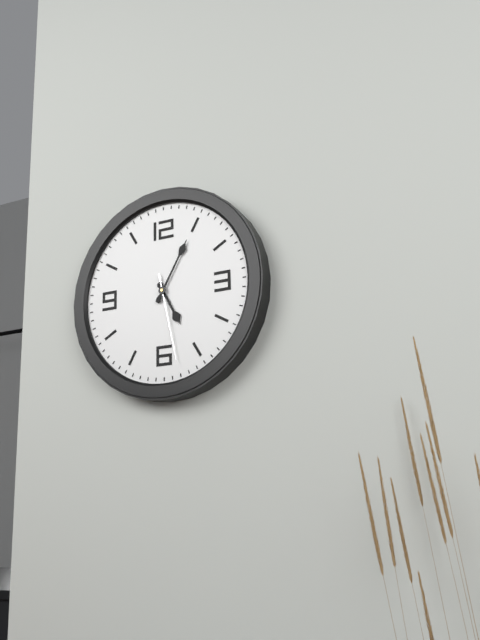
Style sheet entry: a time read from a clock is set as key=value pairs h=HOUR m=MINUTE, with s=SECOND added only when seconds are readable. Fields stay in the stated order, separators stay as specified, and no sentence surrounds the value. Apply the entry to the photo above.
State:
h=5 m=5 s=28
